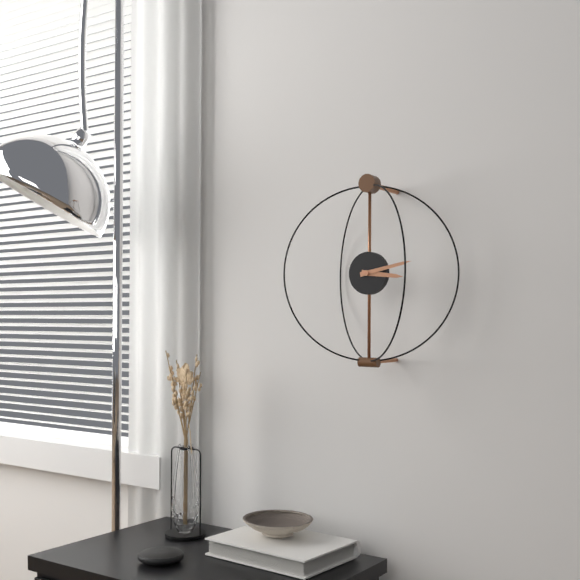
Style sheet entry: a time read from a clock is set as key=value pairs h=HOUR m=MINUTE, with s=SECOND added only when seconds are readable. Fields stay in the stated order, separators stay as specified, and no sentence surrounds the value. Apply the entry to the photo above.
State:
h=3 m=13
